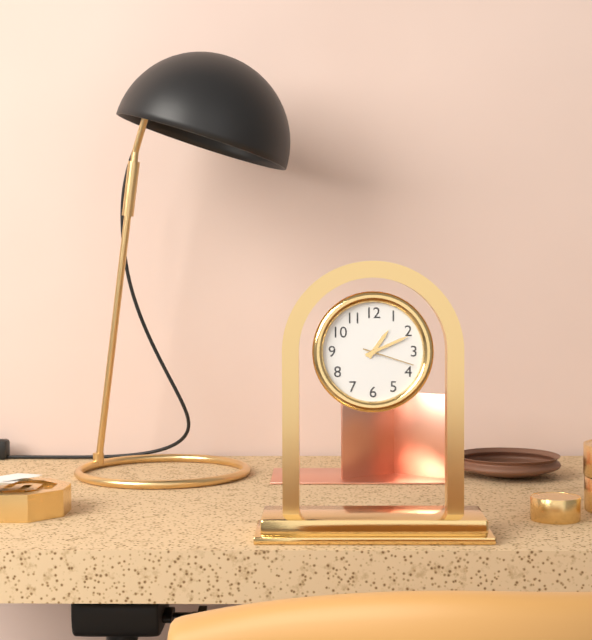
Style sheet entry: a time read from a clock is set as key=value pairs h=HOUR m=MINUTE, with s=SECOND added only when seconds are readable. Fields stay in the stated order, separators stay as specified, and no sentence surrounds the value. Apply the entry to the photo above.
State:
h=1 m=11 s=18
